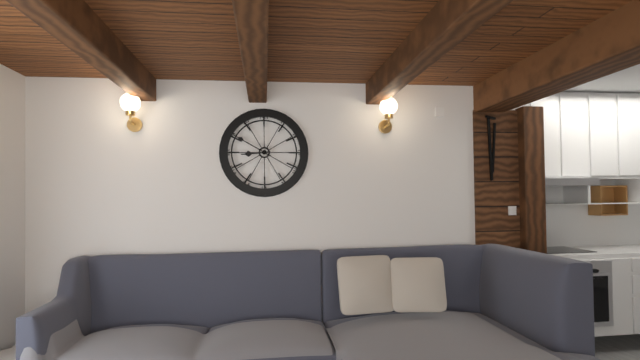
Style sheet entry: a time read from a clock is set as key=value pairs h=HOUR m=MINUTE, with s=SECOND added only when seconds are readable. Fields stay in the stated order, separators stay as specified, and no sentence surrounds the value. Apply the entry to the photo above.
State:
h=8 m=50
